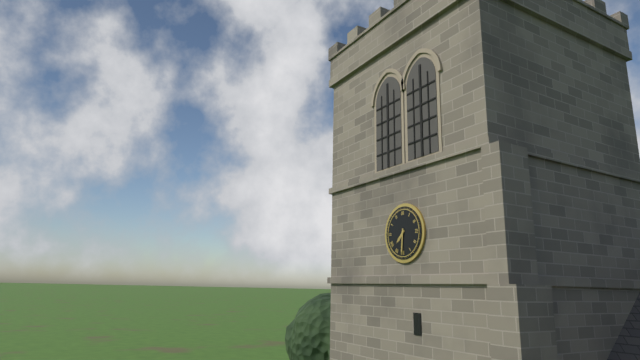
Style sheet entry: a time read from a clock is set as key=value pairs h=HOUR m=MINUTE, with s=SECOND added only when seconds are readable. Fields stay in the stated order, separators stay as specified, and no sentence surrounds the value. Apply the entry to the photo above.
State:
h=7 m=31
